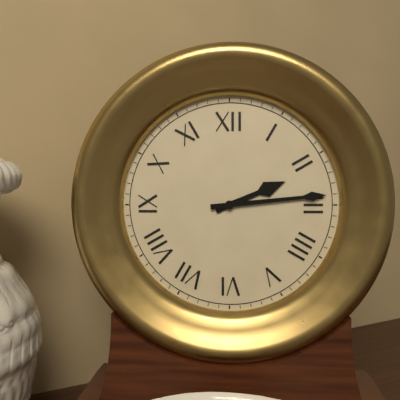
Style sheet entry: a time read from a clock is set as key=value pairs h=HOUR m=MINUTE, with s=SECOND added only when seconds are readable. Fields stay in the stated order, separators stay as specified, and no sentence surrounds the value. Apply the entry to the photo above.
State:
h=2 m=14
